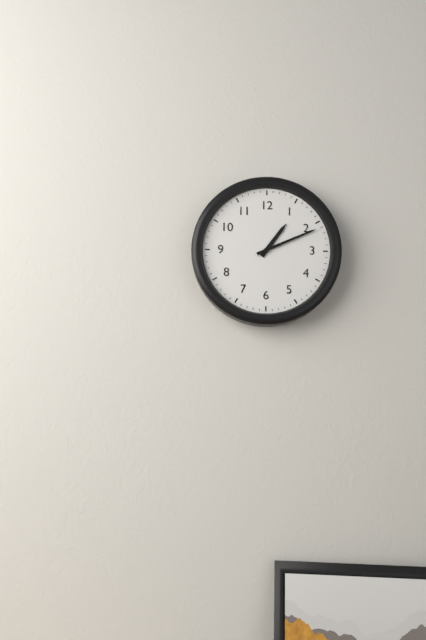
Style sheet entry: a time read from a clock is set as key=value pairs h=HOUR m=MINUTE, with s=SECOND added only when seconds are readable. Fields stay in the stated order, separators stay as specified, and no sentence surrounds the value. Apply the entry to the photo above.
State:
h=1 m=11
